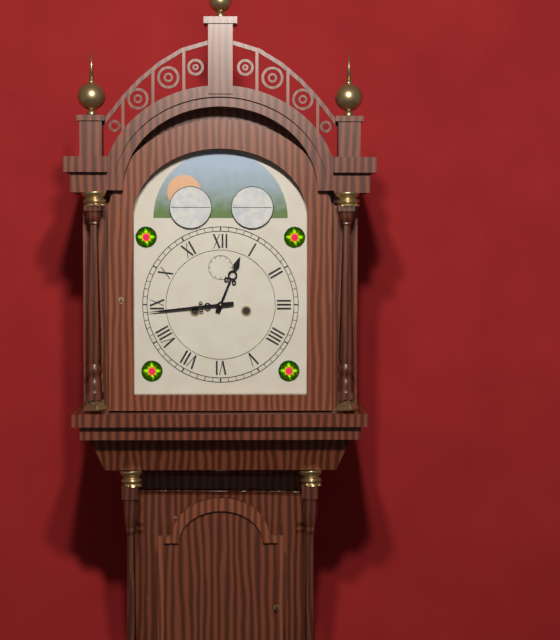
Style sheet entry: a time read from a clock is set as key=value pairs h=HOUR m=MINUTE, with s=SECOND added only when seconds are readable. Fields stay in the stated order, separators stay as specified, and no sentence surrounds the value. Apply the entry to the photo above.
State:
h=12 m=44
